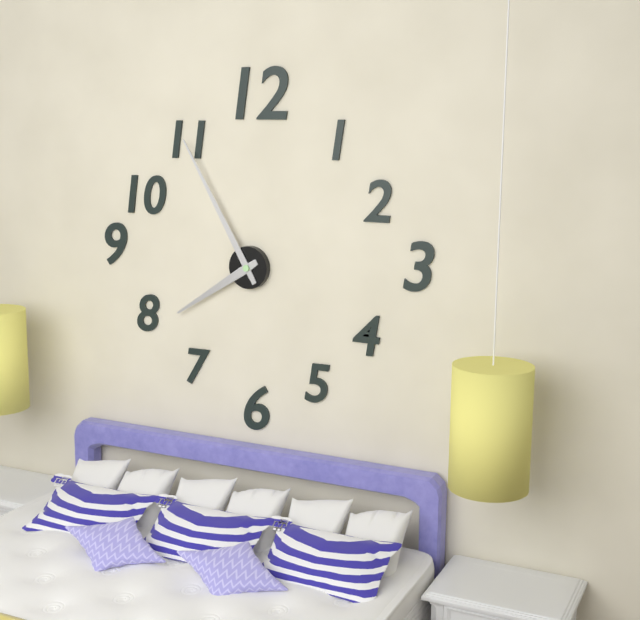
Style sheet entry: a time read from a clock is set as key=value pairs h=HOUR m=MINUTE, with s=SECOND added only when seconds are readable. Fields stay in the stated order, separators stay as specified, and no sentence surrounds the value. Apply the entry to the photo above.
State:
h=7 m=55
